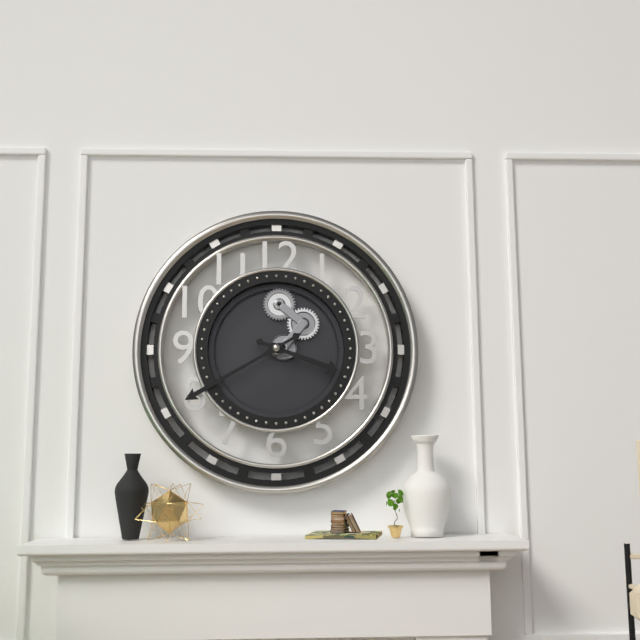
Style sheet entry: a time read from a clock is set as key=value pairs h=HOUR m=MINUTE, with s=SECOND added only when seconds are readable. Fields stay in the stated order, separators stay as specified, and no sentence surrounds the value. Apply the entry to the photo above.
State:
h=3 m=40
